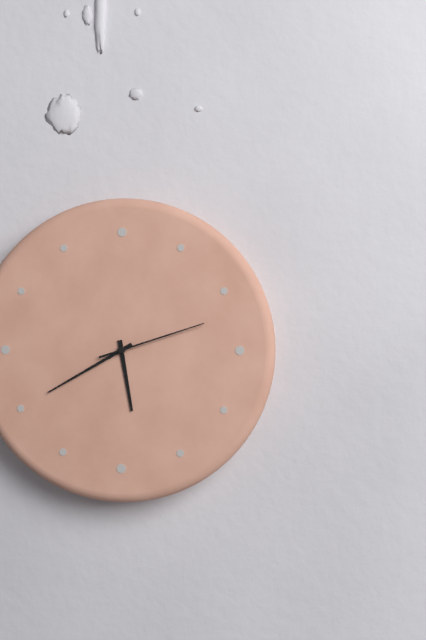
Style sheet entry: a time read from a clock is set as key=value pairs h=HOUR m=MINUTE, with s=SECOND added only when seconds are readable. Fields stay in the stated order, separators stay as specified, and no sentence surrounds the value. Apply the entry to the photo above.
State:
h=5 m=40 s=12
